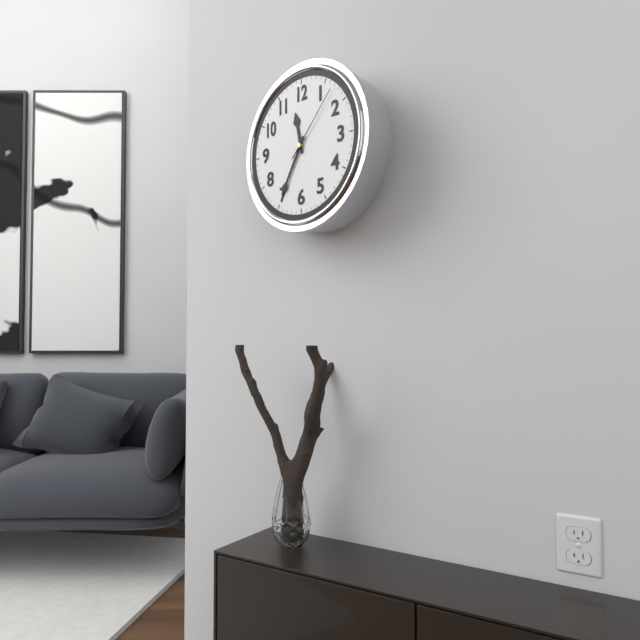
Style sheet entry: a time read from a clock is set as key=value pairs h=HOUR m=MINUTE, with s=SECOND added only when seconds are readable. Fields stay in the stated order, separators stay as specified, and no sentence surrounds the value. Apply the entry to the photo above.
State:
h=11 m=35 s=7
